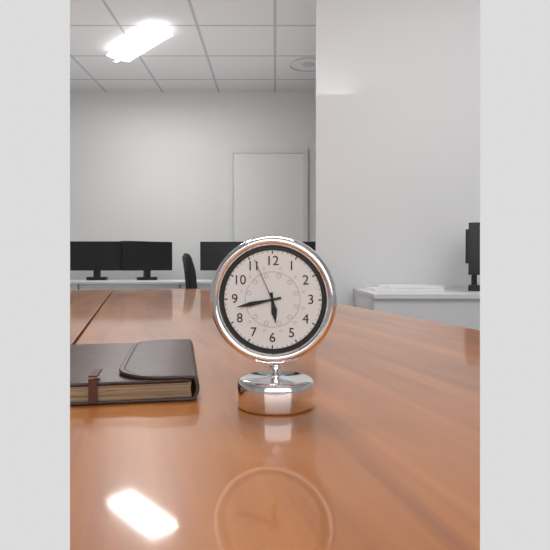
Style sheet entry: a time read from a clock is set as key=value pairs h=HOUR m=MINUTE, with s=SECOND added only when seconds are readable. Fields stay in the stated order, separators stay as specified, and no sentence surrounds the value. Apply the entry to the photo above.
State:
h=5 m=43 s=56
